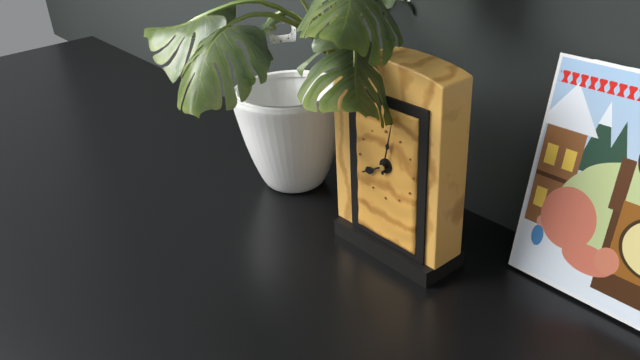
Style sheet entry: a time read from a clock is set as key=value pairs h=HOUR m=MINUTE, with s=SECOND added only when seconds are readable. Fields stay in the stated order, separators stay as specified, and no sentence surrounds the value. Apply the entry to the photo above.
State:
h=8 m=2
